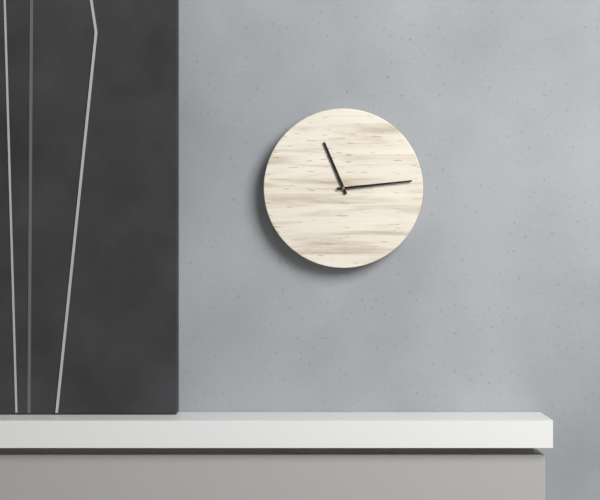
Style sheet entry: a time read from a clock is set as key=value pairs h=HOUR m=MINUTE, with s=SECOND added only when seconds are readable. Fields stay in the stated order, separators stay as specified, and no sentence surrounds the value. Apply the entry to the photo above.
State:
h=11 m=14
